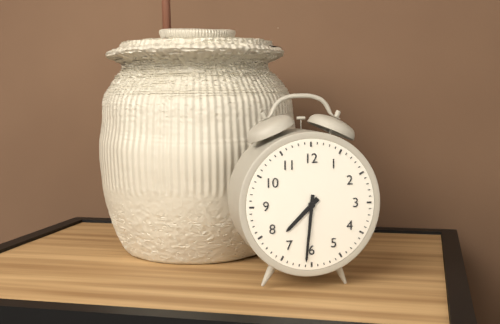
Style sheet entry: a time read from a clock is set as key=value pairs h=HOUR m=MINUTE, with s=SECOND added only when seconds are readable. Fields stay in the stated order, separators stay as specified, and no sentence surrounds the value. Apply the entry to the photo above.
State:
h=7 m=31
